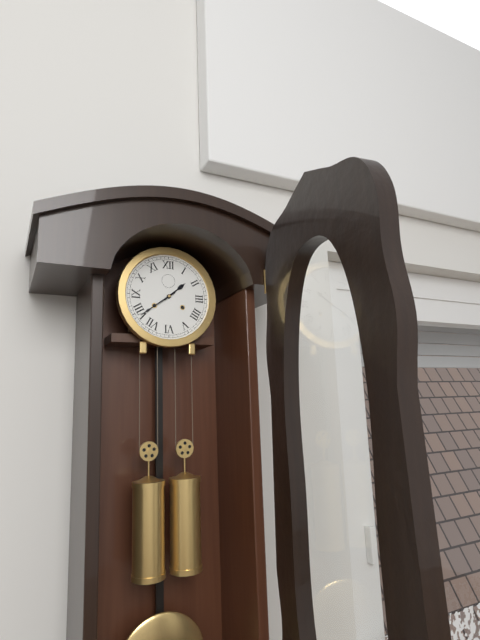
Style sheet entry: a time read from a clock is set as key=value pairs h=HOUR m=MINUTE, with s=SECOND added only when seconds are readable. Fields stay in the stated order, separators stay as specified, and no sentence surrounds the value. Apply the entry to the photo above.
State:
h=1 m=39
